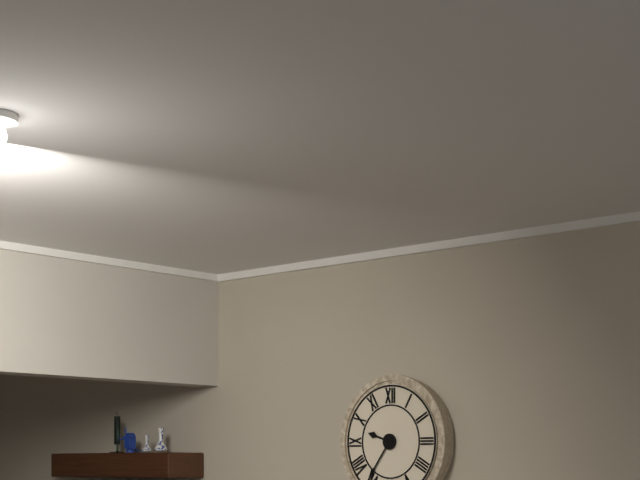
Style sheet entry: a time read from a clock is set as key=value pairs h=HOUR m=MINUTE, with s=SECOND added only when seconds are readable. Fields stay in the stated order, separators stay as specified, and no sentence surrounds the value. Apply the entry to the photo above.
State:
h=9 m=36
